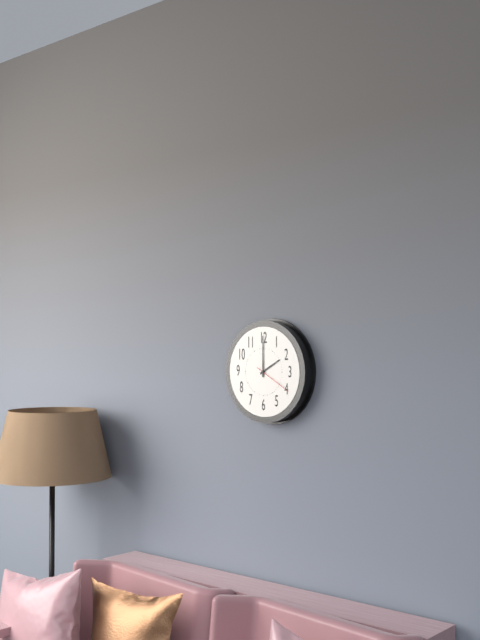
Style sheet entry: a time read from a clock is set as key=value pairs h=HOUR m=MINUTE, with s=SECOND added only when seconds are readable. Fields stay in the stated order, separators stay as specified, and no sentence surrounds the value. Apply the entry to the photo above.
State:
h=2 m=0
